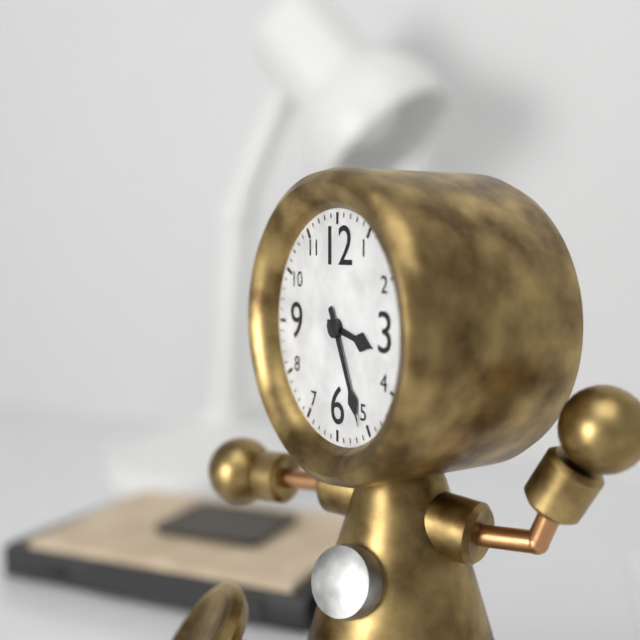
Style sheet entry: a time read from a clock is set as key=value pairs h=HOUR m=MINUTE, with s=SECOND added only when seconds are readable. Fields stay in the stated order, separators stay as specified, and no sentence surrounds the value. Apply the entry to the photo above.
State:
h=3 m=26
